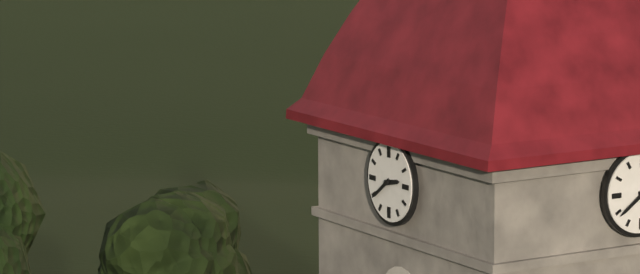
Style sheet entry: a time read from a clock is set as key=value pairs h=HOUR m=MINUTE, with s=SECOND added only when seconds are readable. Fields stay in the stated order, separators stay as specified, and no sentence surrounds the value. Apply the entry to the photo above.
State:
h=2 m=39
